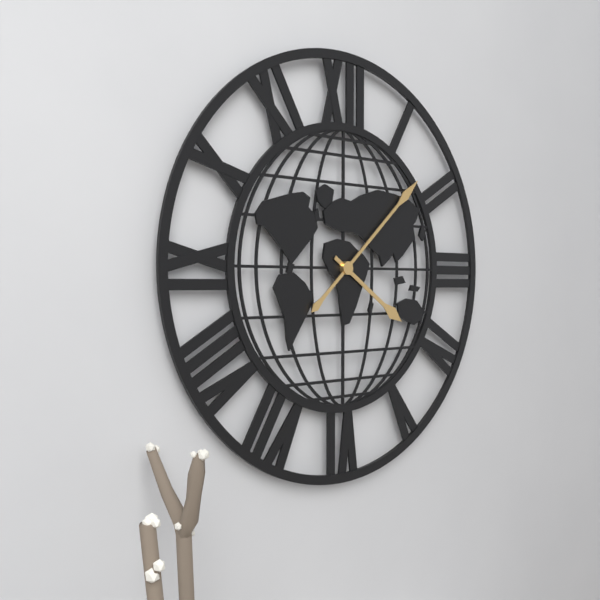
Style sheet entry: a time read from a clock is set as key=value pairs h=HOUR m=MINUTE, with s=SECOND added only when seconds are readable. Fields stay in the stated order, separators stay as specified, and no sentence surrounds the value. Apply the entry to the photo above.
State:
h=4 m=8
